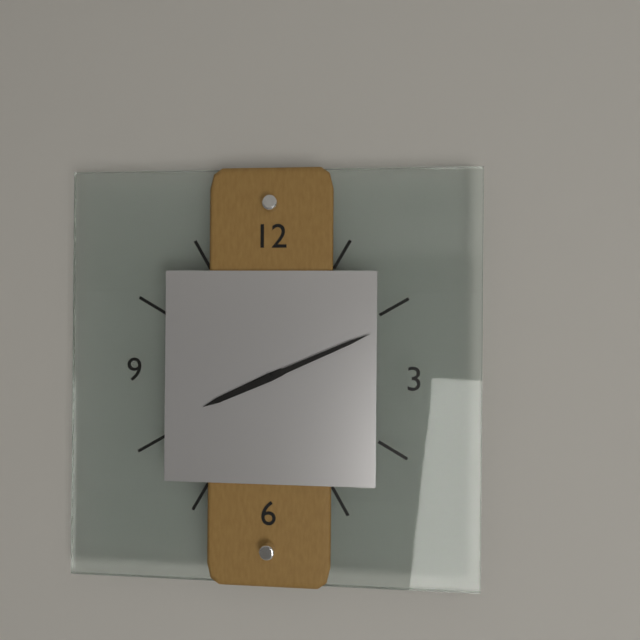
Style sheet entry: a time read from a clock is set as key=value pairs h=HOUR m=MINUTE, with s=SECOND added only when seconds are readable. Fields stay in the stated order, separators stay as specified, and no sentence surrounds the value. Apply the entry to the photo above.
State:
h=8 m=11
